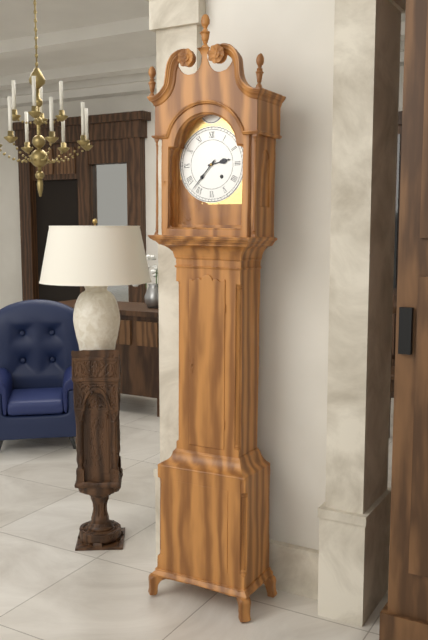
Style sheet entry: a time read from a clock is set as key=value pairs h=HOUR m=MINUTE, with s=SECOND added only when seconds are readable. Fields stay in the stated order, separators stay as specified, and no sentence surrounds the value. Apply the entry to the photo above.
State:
h=2 m=37
